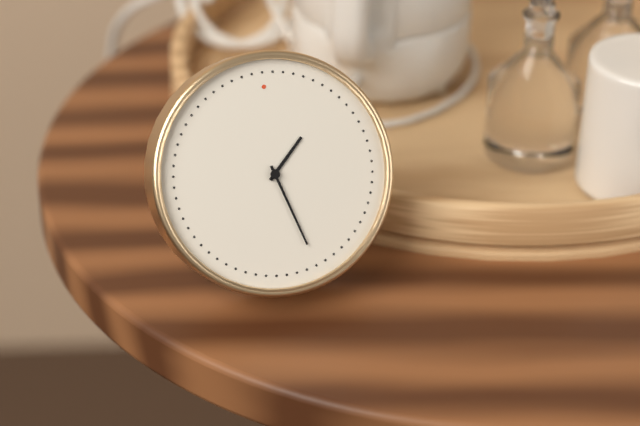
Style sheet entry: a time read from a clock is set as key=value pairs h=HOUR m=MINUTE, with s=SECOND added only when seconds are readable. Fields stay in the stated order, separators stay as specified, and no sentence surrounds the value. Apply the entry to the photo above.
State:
h=1 m=27
